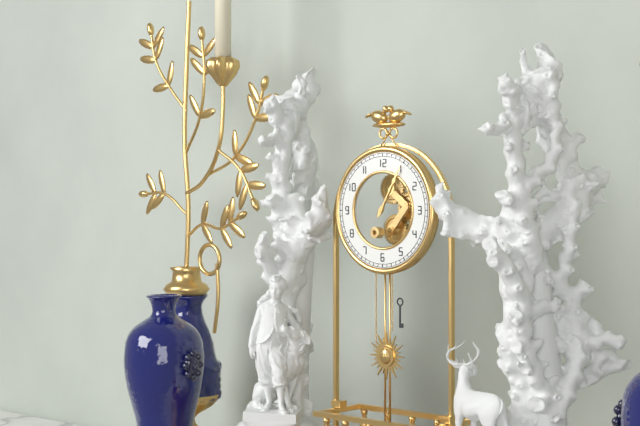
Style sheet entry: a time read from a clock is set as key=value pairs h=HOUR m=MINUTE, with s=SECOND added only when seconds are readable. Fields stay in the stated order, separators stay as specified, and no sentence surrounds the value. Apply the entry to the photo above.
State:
h=1 m=5
